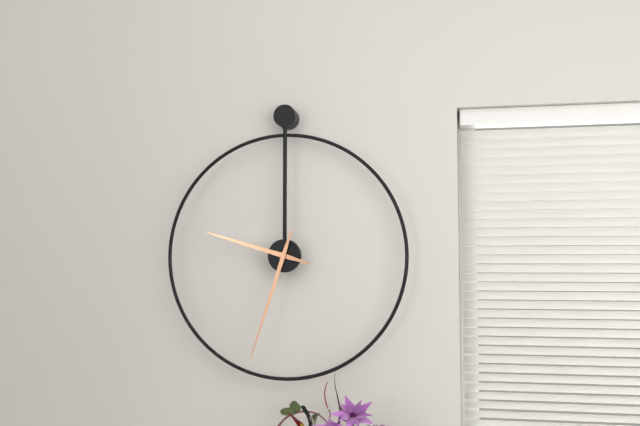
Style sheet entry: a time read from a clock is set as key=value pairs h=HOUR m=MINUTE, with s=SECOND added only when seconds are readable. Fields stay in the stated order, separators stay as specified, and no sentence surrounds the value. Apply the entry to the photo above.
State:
h=9 m=33
